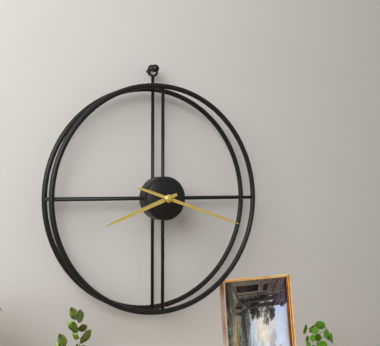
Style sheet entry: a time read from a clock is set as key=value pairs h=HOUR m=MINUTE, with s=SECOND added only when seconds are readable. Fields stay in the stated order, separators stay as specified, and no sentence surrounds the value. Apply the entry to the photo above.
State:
h=8 m=18
